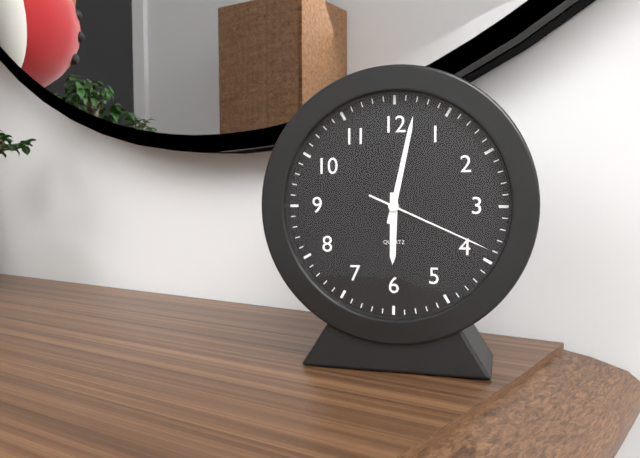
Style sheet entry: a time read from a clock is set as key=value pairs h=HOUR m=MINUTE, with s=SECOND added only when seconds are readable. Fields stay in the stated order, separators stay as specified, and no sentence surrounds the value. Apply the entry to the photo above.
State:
h=6 m=2 s=19
